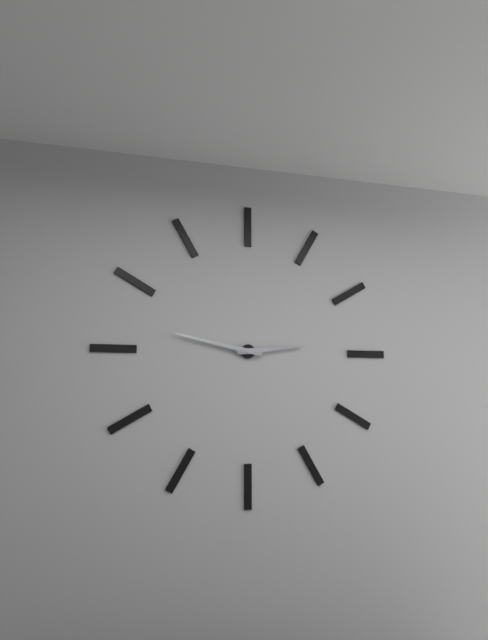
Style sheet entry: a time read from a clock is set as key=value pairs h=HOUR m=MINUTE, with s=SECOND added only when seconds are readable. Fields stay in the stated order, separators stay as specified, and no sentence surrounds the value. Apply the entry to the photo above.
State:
h=2 m=47
